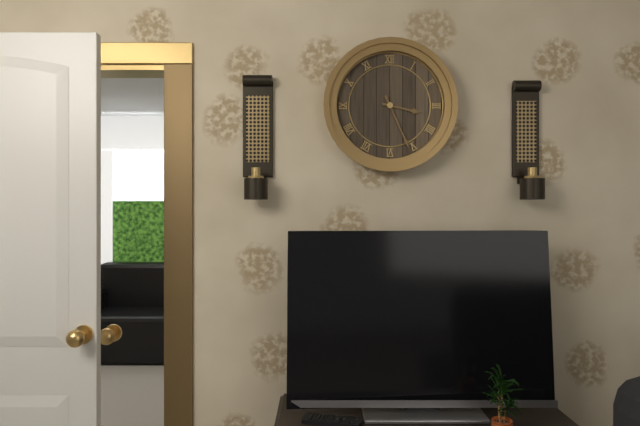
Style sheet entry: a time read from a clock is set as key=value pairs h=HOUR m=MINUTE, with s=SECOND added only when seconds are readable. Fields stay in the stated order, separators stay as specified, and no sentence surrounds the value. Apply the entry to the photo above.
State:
h=3 m=26
